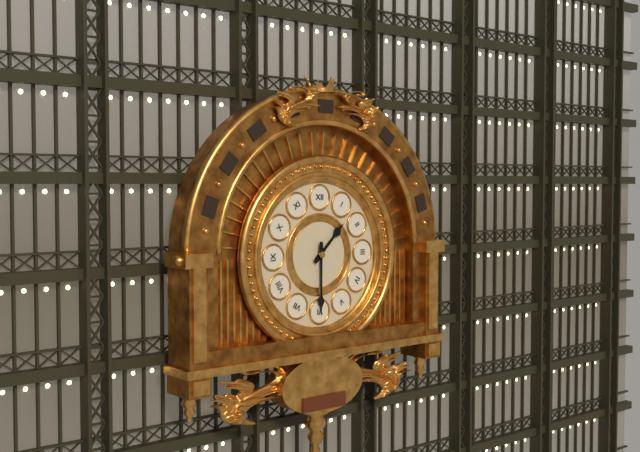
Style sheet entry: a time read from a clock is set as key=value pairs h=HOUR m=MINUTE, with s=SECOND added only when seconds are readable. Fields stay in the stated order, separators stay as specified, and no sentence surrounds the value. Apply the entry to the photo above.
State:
h=1 m=30
